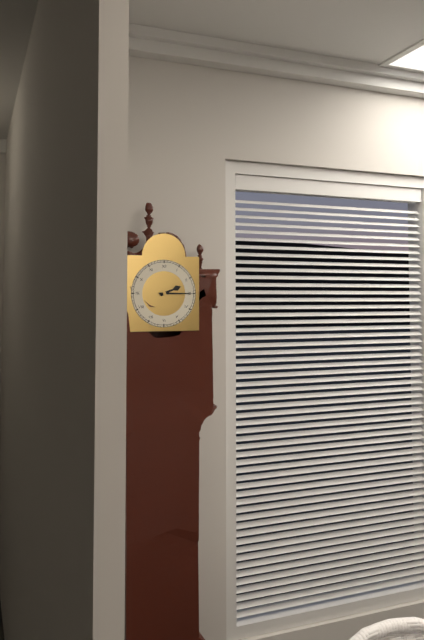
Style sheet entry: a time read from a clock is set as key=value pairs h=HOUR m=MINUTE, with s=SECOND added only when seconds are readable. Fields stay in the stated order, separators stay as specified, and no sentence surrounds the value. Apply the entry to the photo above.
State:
h=2 m=15
